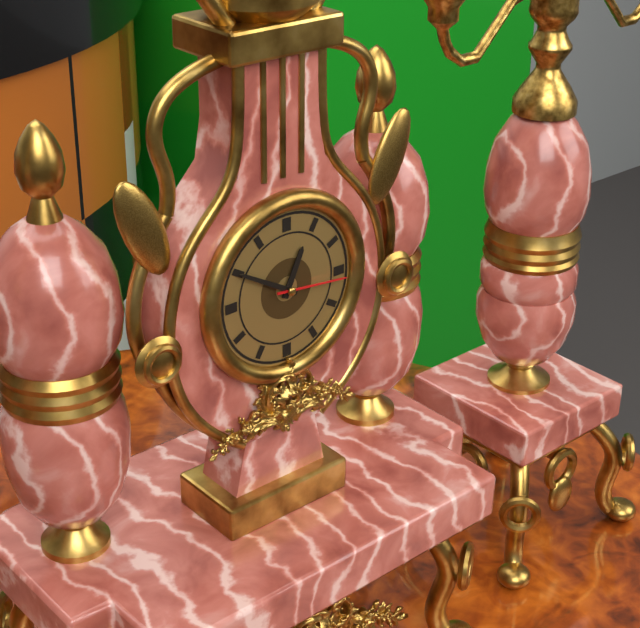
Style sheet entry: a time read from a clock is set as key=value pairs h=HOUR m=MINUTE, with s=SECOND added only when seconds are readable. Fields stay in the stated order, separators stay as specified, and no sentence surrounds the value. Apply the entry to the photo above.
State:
h=12 m=50 s=16
